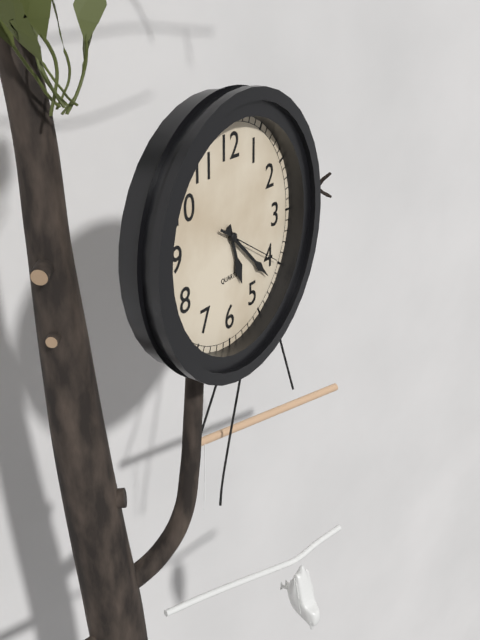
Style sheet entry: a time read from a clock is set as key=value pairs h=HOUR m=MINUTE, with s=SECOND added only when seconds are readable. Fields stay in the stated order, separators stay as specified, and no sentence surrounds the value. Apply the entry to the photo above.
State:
h=5 m=22 s=20
